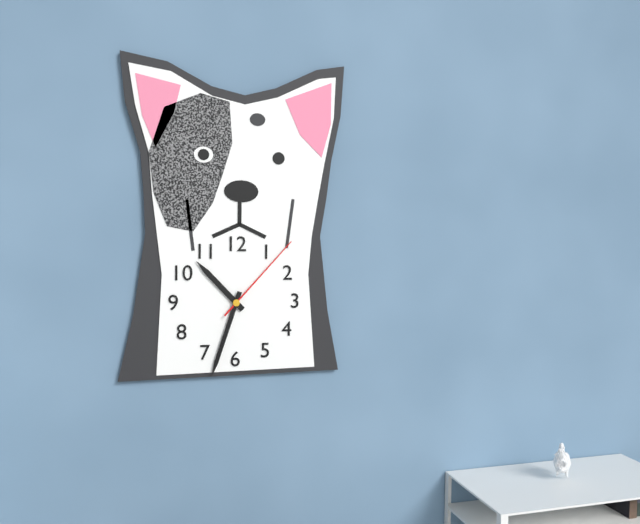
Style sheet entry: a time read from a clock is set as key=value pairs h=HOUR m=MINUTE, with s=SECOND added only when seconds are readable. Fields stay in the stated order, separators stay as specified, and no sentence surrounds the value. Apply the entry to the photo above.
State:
h=10 m=33 s=7
